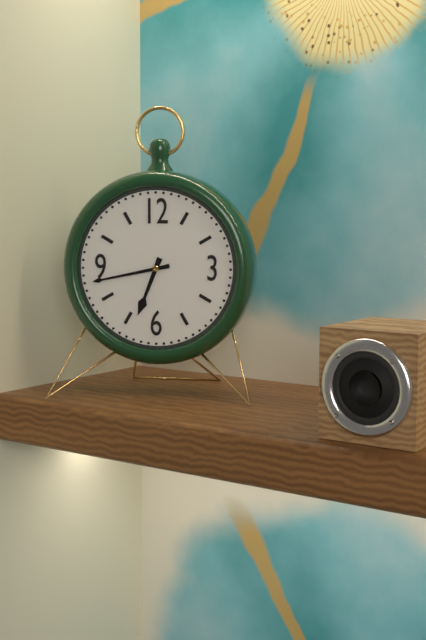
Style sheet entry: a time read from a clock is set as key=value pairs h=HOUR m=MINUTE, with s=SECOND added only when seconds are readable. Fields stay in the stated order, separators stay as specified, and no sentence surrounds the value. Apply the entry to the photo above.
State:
h=6 m=43
